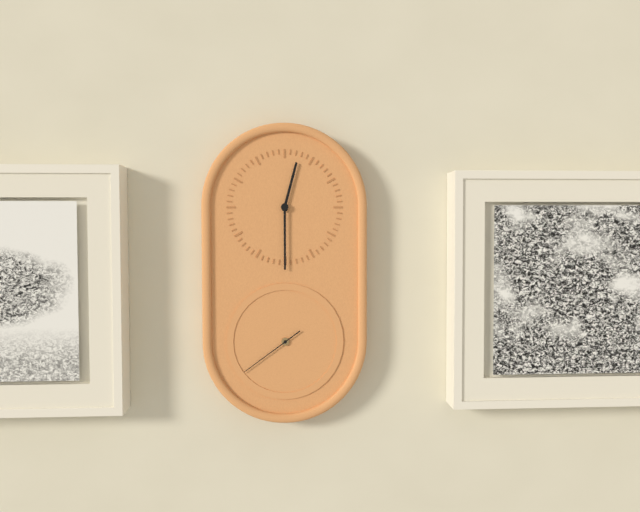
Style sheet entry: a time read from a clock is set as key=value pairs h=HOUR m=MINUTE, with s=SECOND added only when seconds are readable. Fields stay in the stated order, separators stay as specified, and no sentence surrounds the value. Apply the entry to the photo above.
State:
h=12 m=30 s=39
